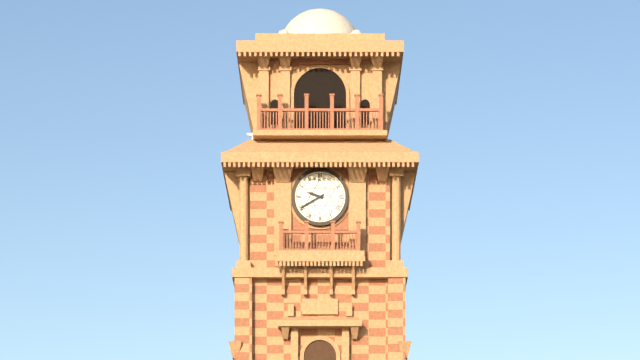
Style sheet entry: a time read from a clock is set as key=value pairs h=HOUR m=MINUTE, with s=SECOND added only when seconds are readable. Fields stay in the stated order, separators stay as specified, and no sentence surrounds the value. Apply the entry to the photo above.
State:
h=9 m=40
